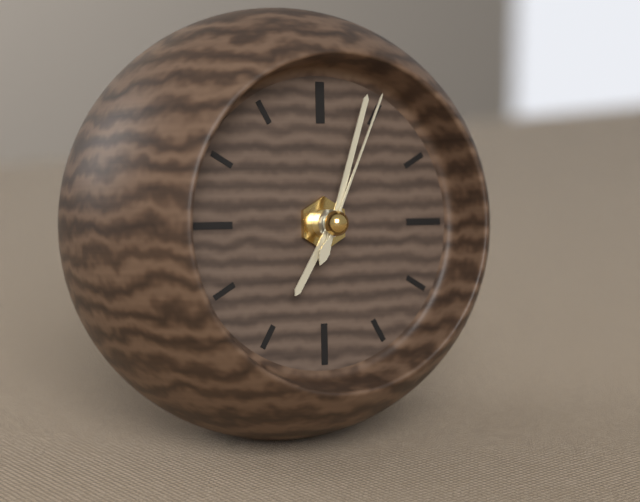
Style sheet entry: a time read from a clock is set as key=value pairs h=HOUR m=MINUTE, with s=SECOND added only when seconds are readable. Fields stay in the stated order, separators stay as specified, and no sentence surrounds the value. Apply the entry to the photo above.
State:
h=7 m=3 s=4
